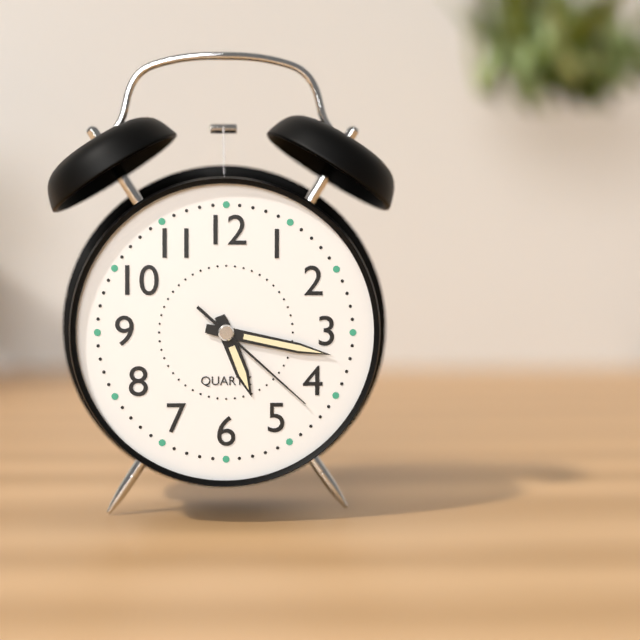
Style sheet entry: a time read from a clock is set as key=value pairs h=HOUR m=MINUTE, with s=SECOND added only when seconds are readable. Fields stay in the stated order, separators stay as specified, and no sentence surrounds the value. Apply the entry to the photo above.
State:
h=5 m=17 s=22
